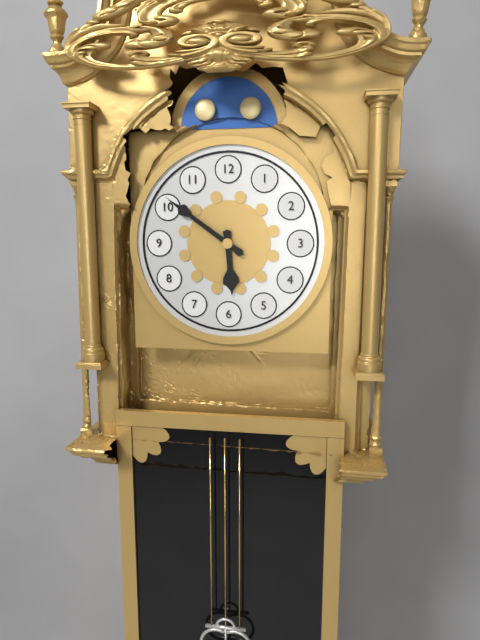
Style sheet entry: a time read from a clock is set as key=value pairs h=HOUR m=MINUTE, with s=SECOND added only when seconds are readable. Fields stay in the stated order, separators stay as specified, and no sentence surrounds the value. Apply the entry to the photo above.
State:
h=5 m=51
